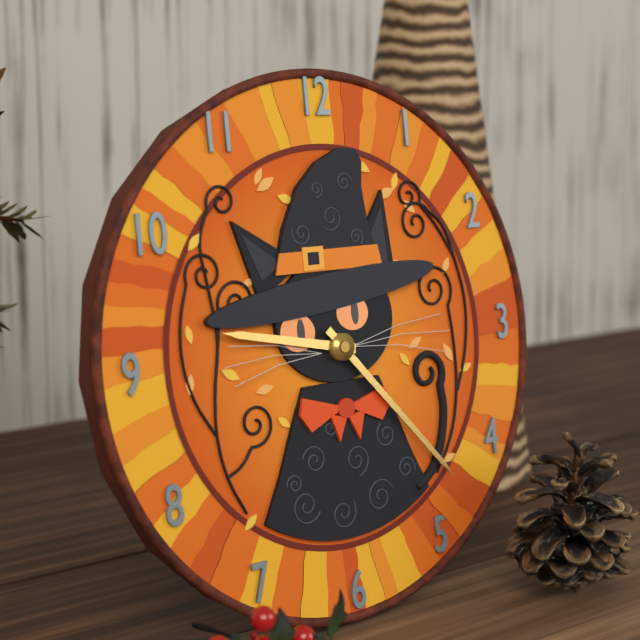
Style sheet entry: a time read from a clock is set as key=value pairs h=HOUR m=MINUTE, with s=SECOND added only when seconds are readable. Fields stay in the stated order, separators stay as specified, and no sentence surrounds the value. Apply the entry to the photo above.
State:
h=9 m=23
